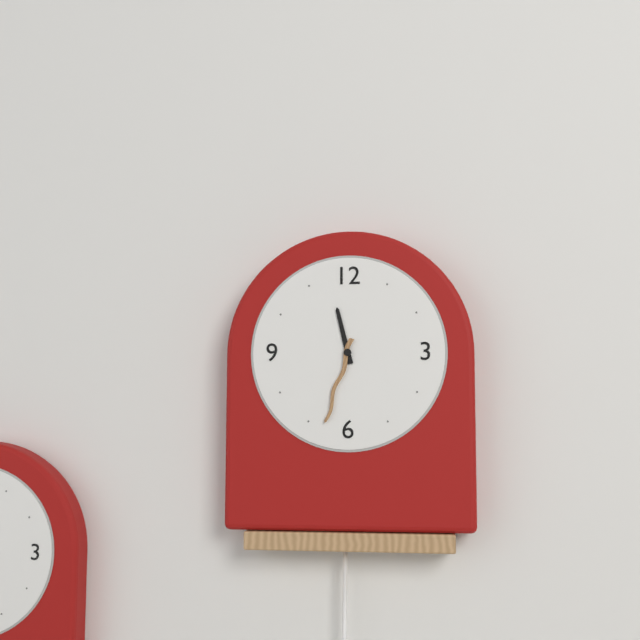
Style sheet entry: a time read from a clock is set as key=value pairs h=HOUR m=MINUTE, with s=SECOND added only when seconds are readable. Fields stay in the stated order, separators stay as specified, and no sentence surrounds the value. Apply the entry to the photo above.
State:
h=11 m=33
